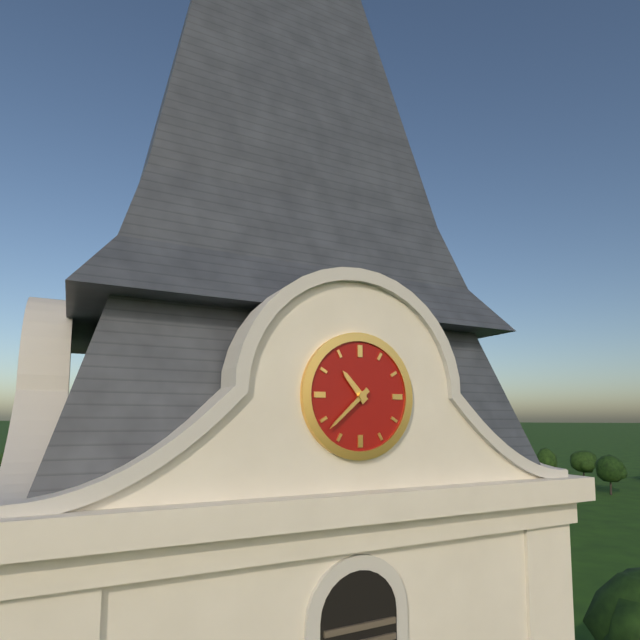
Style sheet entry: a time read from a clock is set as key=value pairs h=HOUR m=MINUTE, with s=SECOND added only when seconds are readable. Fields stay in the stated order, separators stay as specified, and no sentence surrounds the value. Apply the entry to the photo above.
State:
h=10 m=38
